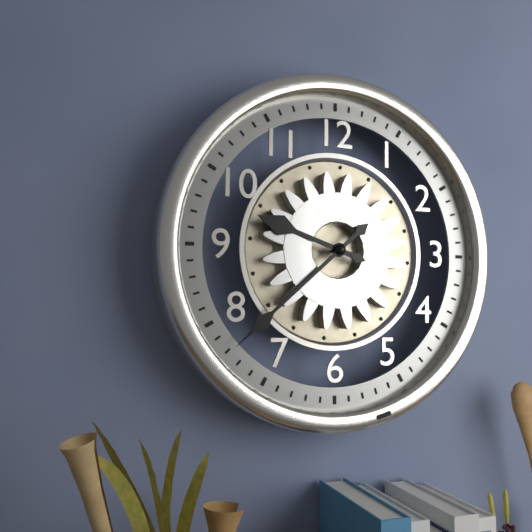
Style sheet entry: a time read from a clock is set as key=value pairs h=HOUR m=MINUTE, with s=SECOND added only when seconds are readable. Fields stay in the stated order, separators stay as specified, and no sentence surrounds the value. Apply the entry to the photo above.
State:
h=9 m=38
